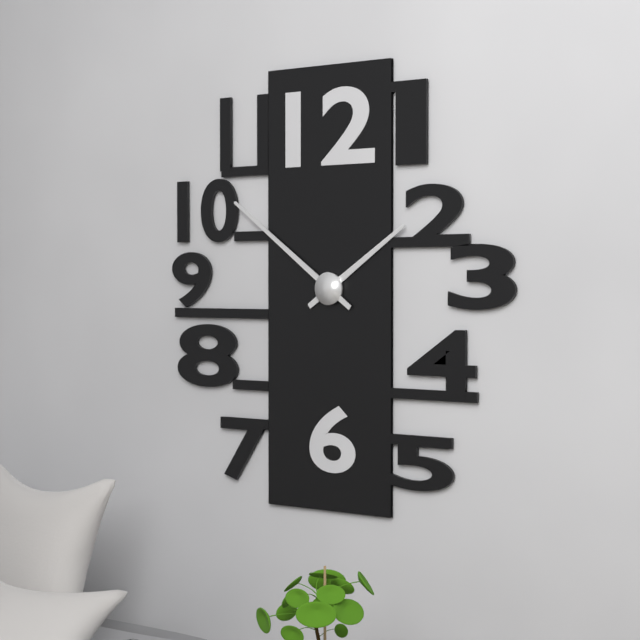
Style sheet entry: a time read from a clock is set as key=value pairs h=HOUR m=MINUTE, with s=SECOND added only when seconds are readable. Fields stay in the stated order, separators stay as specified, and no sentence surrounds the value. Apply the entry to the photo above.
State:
h=1 m=51
